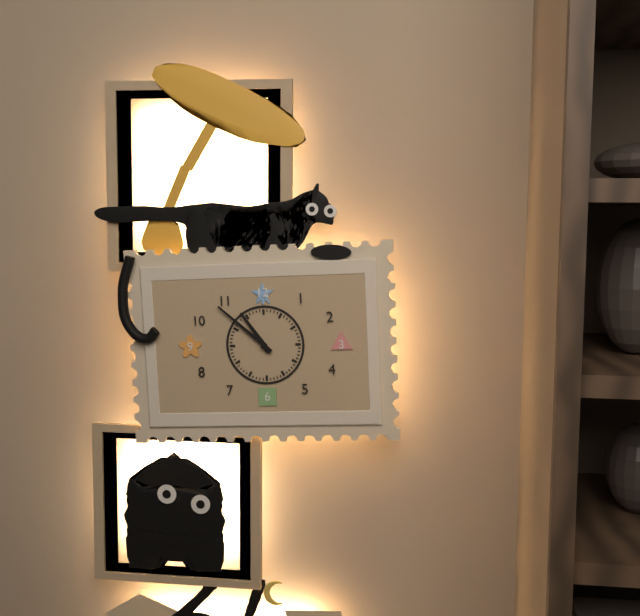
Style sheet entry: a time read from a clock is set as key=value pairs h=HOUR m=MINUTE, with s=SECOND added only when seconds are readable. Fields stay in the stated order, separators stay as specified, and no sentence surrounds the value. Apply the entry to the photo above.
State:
h=10 m=52
